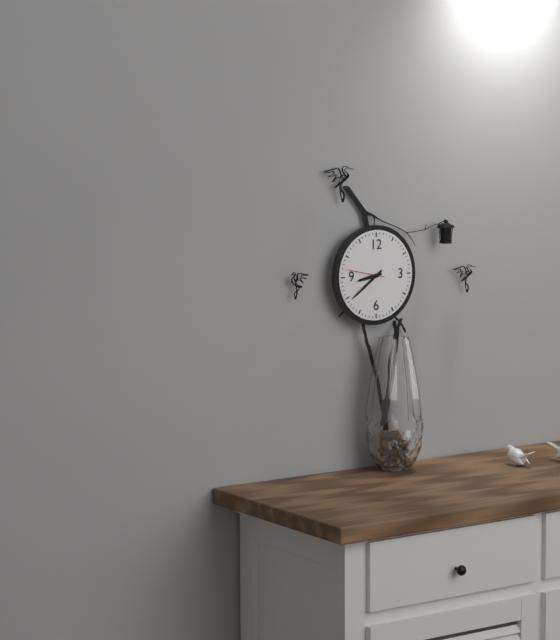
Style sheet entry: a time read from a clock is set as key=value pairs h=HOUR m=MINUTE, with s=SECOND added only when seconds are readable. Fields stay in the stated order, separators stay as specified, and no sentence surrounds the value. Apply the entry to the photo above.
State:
h=8 m=39
